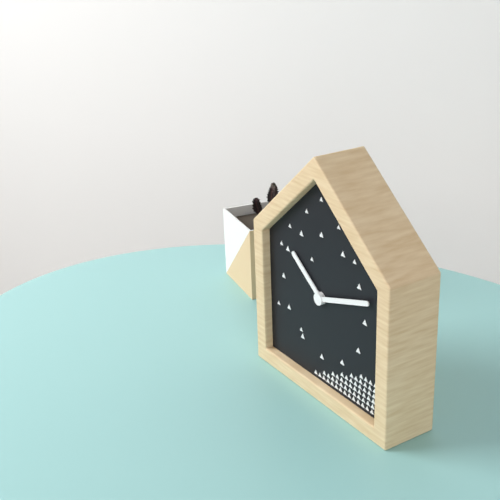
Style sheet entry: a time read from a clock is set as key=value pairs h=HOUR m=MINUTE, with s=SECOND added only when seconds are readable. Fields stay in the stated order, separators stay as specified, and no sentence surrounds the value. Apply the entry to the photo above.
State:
h=10 m=12
